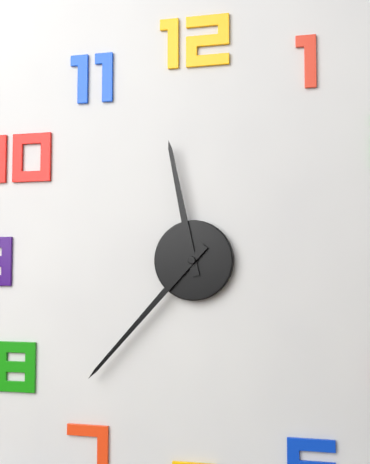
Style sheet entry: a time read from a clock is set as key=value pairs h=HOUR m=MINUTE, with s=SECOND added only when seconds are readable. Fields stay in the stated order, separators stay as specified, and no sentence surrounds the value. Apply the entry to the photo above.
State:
h=11 m=37
